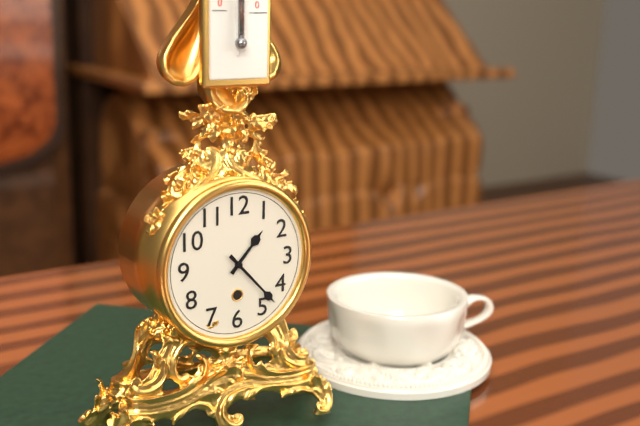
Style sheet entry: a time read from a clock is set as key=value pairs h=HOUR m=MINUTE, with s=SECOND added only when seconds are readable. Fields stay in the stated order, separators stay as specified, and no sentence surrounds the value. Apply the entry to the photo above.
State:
h=1 m=23
